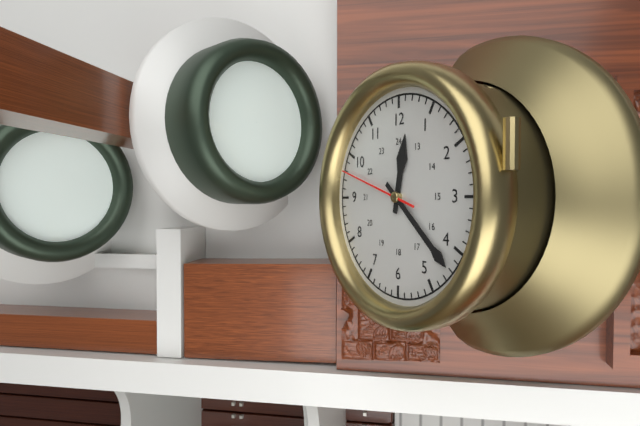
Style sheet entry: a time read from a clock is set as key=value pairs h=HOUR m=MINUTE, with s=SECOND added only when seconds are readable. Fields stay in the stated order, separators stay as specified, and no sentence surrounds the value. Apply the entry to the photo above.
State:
h=12 m=22 s=48
